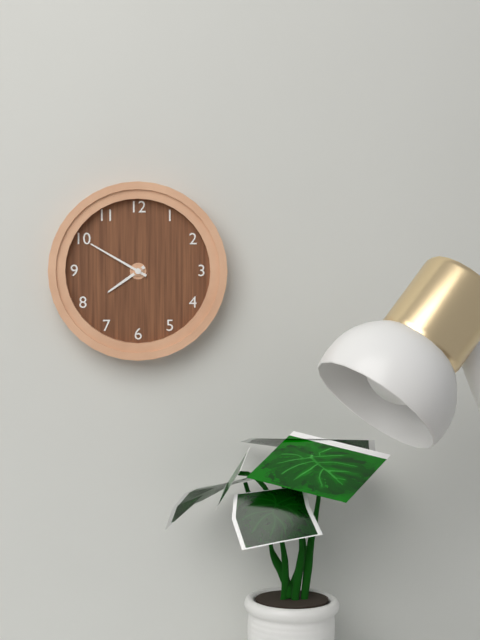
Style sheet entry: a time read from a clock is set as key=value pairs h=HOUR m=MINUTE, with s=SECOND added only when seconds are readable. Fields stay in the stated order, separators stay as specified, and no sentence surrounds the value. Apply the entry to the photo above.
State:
h=7 m=50
